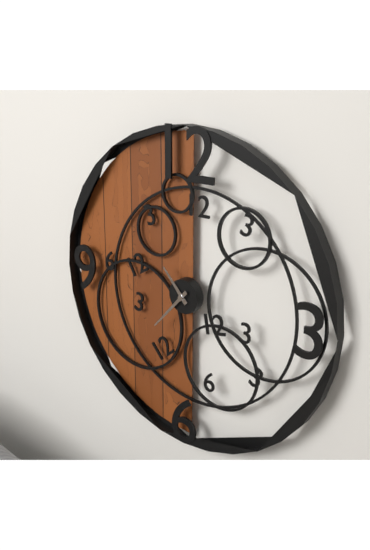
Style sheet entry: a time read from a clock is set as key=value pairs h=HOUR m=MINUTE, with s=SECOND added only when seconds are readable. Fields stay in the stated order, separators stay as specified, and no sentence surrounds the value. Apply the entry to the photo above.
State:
h=10 m=37
